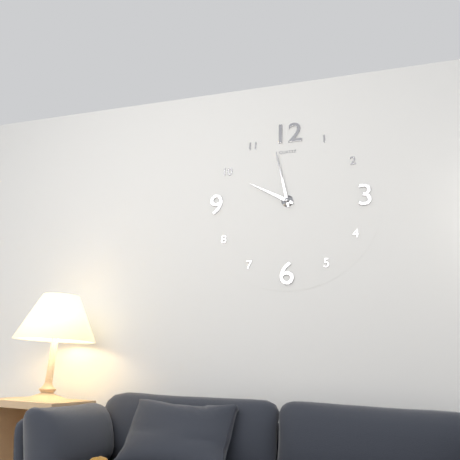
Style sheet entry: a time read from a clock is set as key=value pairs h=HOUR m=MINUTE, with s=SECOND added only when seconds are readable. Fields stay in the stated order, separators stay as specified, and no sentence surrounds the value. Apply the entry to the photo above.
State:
h=9 m=58
